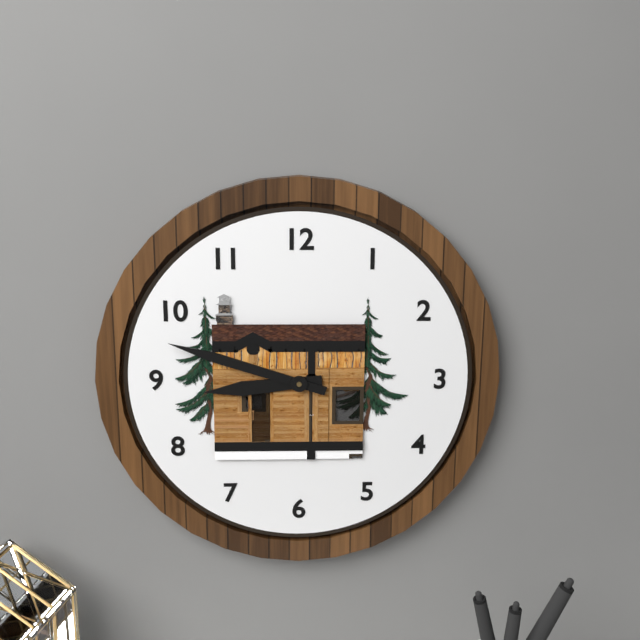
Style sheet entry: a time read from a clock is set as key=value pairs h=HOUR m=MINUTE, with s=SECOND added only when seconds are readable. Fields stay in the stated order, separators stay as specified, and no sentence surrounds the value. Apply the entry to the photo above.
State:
h=8 m=48
